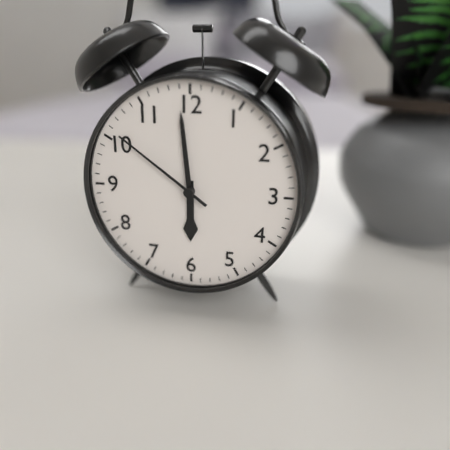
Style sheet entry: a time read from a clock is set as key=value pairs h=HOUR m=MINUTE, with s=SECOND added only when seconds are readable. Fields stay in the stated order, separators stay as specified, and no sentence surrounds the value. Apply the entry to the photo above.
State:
h=5 m=59 s=51
